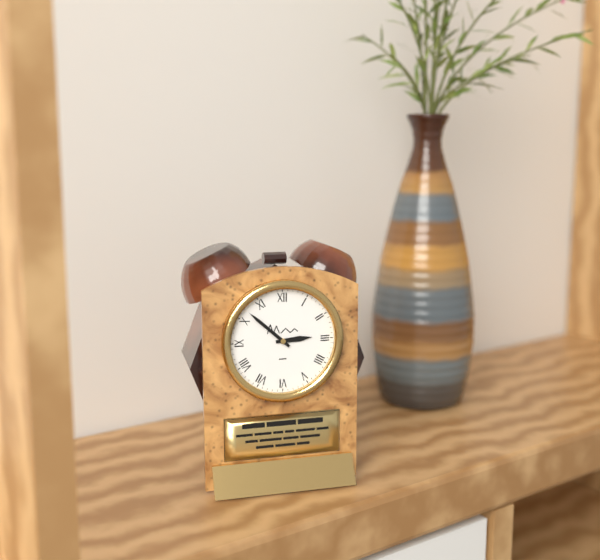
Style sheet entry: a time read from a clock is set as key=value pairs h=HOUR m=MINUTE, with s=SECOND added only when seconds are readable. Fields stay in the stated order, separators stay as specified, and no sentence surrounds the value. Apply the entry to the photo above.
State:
h=2 m=52
